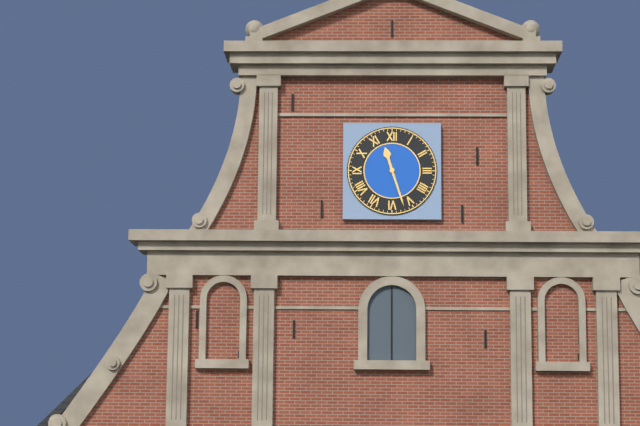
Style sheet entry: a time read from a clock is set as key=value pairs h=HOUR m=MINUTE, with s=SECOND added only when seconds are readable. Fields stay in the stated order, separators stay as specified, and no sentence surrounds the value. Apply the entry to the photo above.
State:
h=11 m=27
